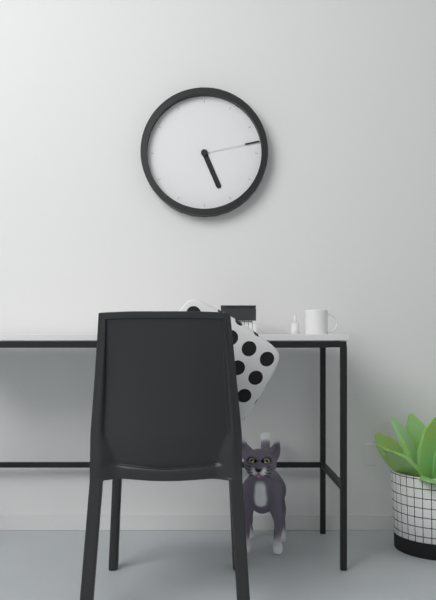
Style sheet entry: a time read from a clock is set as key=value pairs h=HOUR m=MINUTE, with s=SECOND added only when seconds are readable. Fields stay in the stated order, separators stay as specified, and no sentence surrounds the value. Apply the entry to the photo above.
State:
h=5 m=13
